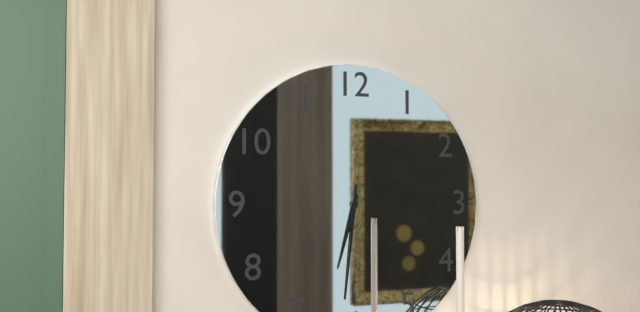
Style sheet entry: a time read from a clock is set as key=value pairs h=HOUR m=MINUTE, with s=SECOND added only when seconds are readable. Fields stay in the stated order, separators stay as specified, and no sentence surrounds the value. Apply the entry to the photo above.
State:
h=6 m=31
